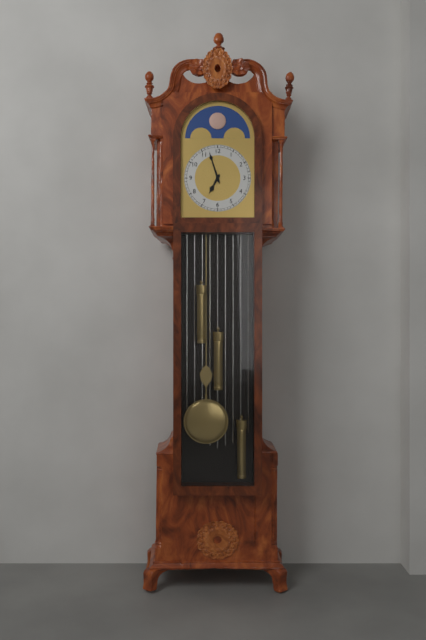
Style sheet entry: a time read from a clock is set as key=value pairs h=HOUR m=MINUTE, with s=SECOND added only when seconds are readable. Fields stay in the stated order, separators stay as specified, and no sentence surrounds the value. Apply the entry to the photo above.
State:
h=6 m=57
